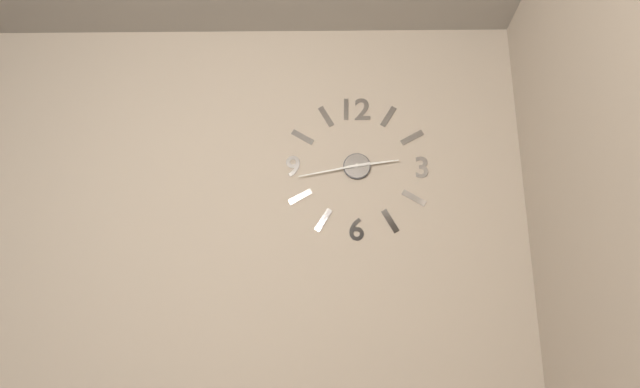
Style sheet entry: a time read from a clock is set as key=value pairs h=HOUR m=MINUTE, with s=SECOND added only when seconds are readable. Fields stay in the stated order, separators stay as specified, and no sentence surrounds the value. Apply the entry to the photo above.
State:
h=2 m=43
